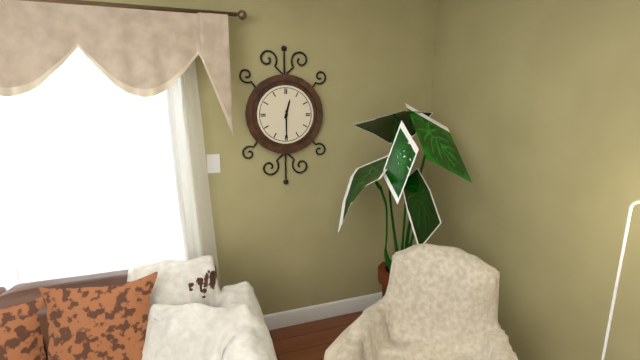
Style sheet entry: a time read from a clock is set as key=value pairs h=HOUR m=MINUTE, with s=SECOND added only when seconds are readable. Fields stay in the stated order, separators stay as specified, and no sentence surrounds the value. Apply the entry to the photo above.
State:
h=12 m=30
